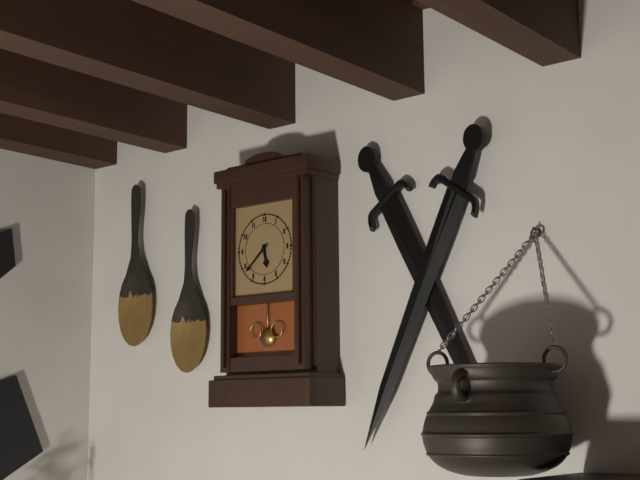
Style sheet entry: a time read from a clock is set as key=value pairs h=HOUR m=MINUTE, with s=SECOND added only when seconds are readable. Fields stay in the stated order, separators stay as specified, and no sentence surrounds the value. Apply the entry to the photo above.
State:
h=5 m=38
